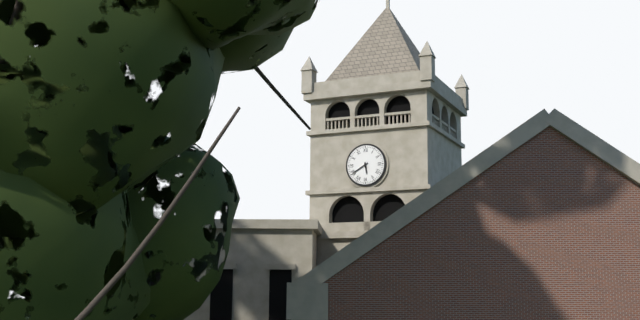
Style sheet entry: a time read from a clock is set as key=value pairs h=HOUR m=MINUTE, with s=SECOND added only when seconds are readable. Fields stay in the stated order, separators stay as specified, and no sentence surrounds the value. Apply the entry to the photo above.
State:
h=5 m=40
